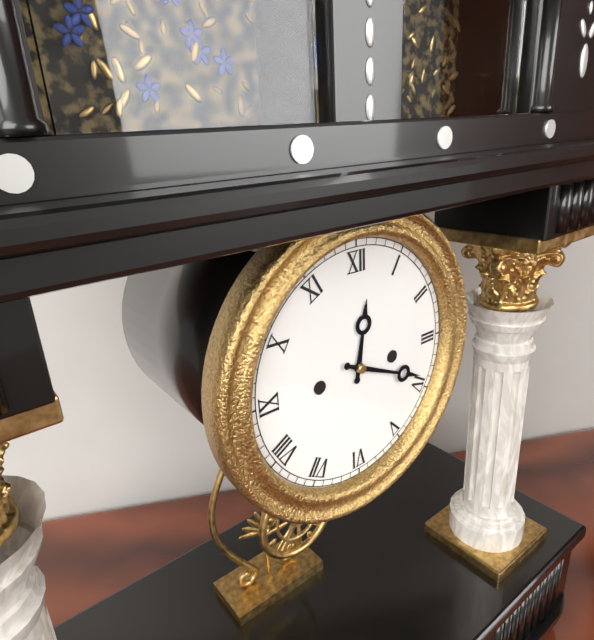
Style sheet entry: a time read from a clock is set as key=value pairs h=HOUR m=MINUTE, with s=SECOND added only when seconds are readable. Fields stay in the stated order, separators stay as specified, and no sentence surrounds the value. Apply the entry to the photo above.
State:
h=12 m=19
